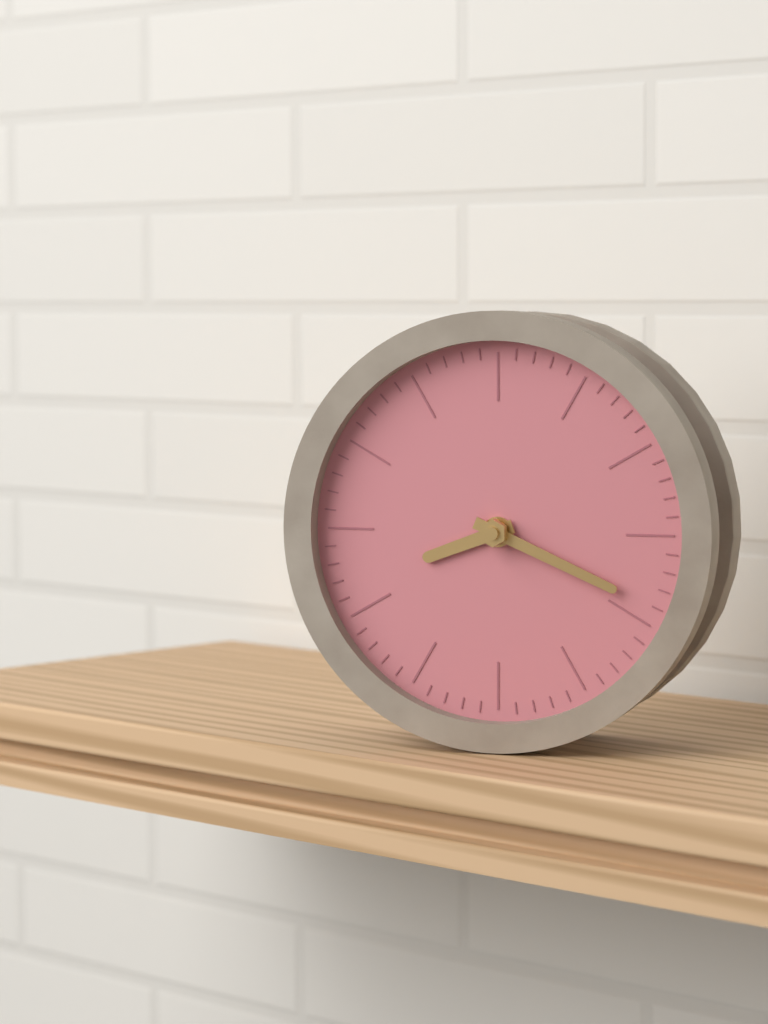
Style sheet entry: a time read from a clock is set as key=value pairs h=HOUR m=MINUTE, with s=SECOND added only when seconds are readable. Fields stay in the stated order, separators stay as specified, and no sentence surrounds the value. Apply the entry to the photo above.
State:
h=8 m=19
